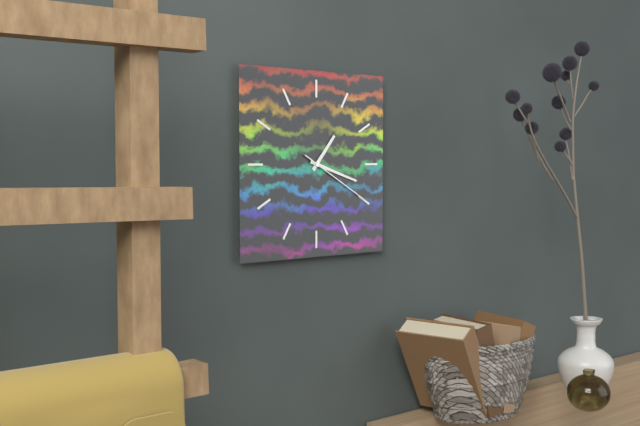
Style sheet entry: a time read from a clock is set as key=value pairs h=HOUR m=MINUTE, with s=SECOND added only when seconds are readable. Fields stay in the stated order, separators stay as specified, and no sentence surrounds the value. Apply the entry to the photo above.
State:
h=1 m=18 s=20
